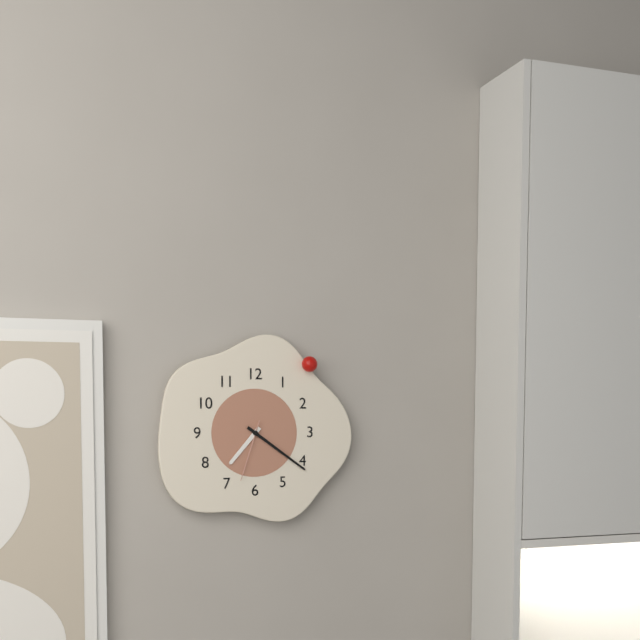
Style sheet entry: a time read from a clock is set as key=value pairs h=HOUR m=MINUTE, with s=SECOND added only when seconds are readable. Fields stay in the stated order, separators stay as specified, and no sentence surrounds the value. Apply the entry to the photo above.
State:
h=7 m=21 s=33
